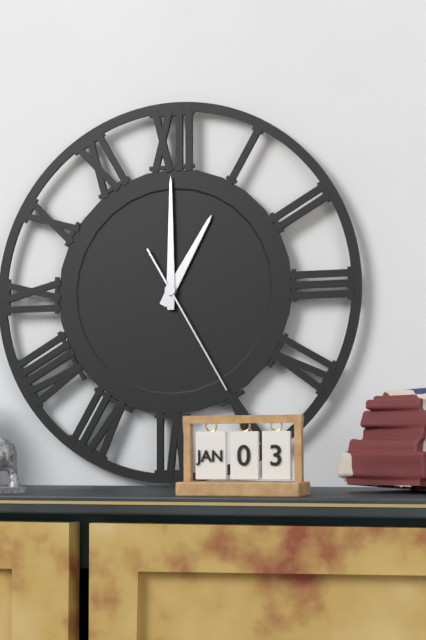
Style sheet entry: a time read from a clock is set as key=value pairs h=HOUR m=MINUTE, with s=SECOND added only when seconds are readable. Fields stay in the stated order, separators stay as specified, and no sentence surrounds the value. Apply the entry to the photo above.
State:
h=1 m=0 s=25
